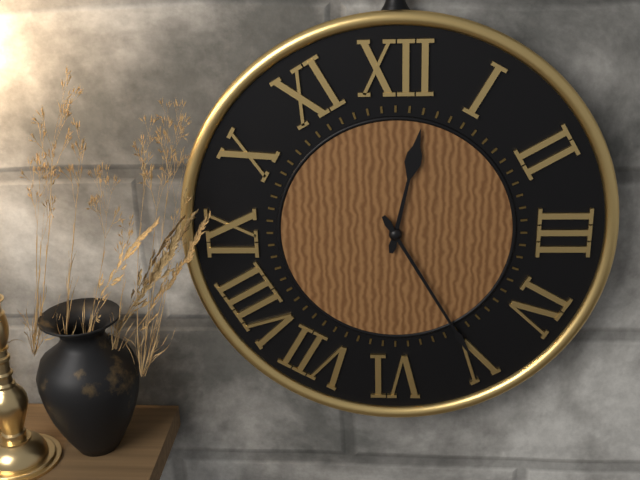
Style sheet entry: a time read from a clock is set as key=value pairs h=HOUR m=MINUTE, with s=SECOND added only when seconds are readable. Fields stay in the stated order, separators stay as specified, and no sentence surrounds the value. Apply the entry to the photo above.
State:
h=12 m=25
